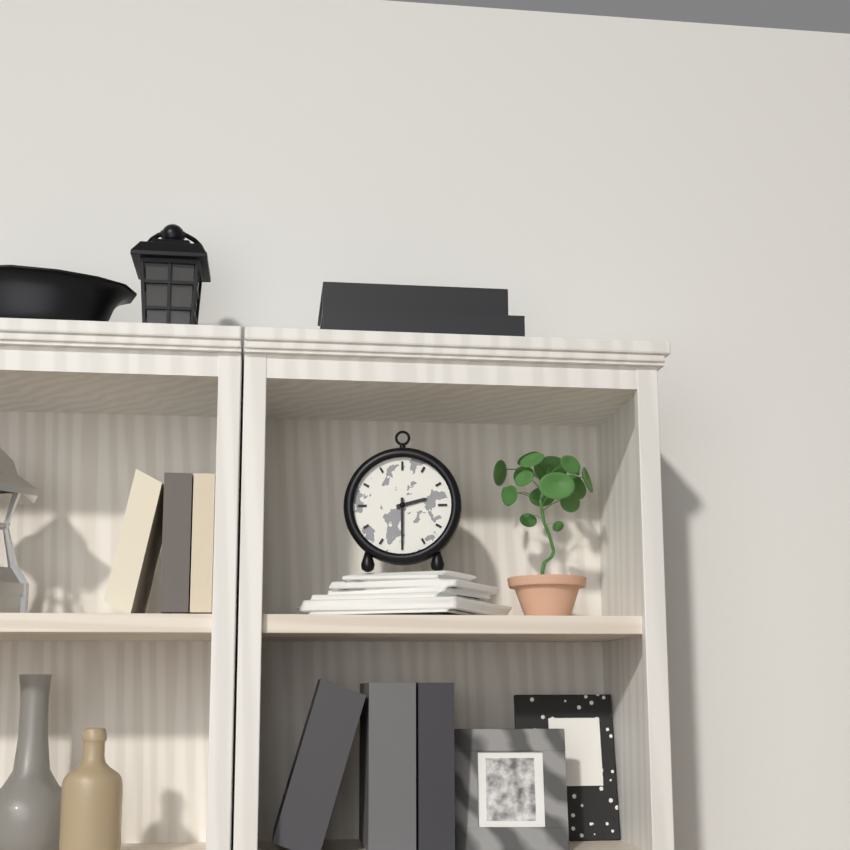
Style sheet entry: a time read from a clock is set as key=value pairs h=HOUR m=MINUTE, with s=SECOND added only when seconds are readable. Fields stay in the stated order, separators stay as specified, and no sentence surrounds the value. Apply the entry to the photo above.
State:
h=2 m=30
